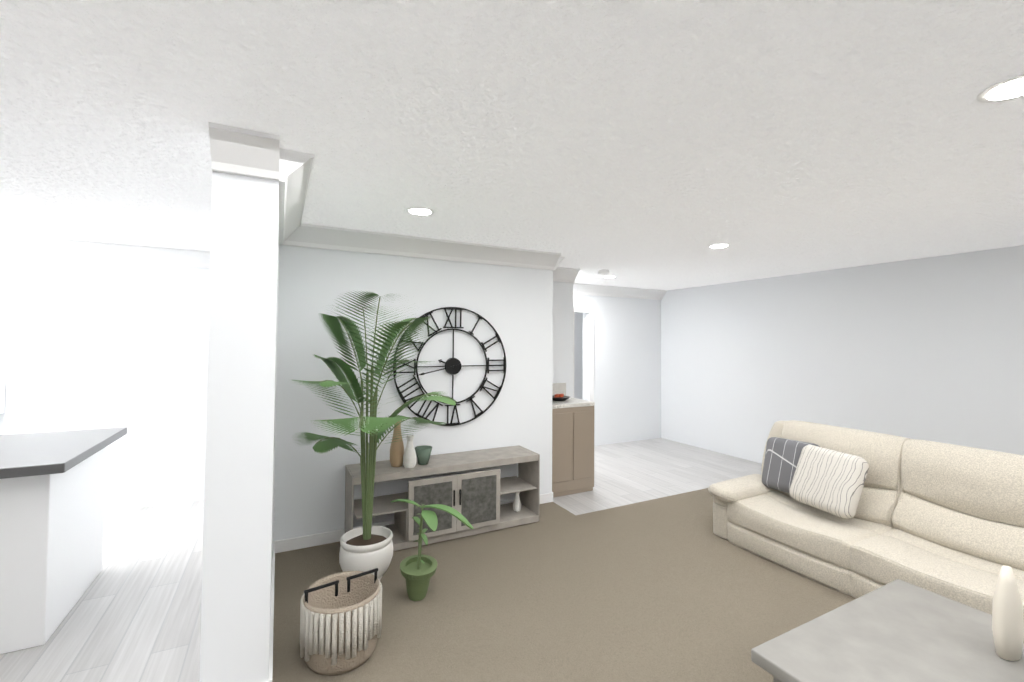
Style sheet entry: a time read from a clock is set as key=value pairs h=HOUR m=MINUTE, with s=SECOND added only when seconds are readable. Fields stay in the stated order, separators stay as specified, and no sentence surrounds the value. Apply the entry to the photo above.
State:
h=9 m=43
